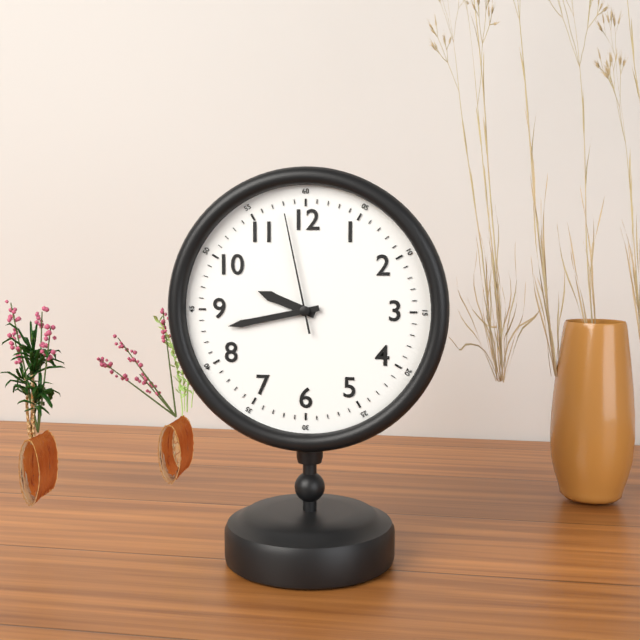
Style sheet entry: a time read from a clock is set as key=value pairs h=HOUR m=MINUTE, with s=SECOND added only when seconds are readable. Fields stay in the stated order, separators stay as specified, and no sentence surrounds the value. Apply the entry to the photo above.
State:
h=9 m=43 s=58
